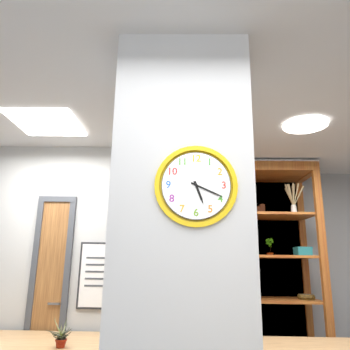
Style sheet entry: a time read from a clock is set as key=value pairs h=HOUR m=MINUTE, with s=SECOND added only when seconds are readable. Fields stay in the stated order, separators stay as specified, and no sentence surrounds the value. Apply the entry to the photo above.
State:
h=5 m=19
